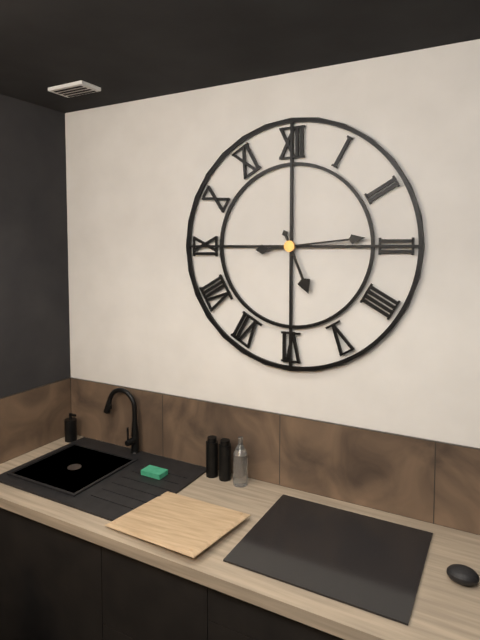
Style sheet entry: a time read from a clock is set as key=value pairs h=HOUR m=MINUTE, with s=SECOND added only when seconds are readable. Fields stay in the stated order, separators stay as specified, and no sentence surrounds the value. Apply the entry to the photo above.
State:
h=5 m=14
